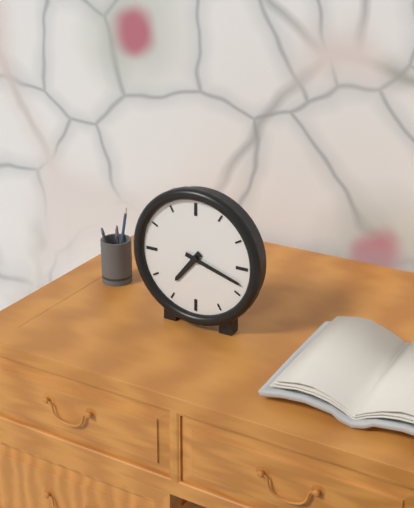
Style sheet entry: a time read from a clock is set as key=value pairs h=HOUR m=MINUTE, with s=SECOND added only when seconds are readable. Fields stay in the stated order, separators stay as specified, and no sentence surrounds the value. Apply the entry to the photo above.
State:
h=7 m=18
